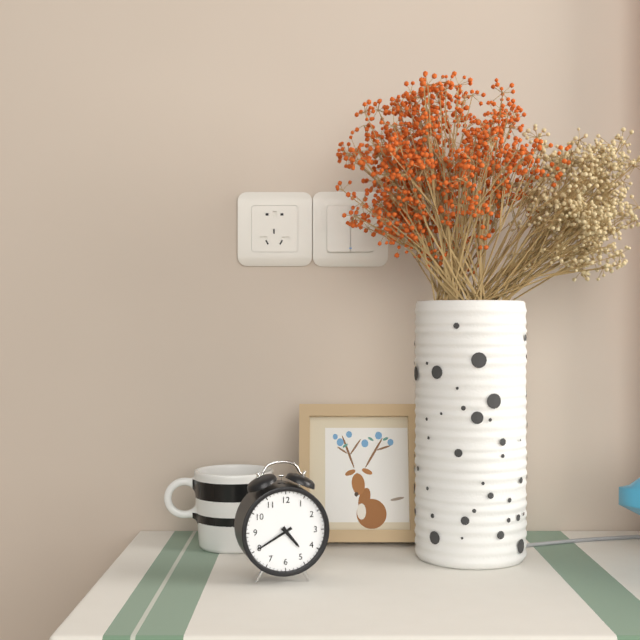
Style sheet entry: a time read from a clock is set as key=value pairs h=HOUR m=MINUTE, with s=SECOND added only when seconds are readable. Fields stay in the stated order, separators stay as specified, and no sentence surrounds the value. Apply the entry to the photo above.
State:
h=4 m=40
